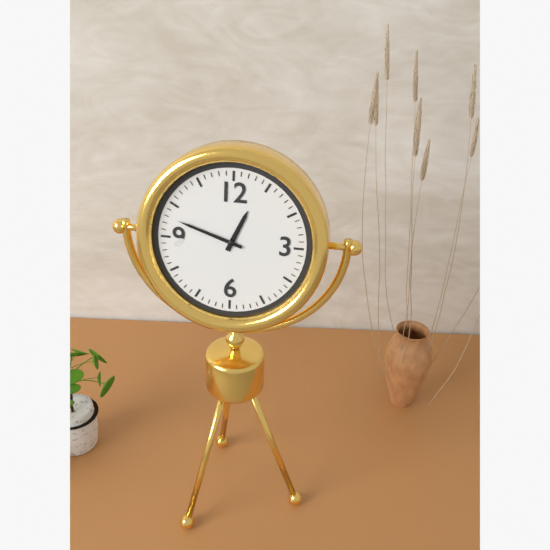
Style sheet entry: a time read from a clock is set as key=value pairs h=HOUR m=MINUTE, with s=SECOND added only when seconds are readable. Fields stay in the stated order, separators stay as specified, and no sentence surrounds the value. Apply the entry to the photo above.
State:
h=12 m=48
